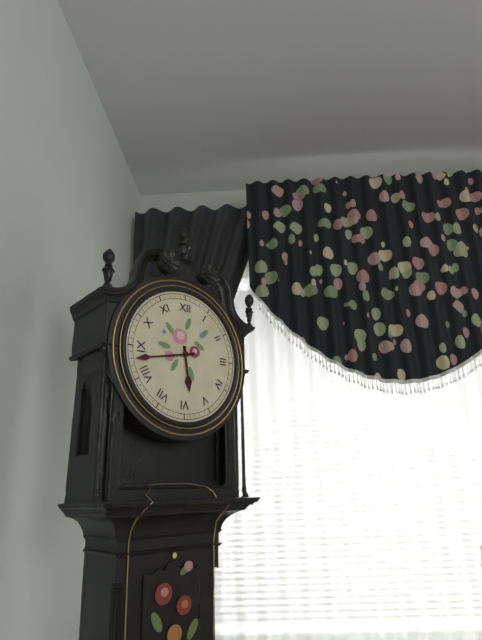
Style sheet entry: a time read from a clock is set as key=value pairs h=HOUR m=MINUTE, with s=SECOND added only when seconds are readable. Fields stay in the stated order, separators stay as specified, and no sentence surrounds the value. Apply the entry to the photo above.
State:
h=5 m=43
